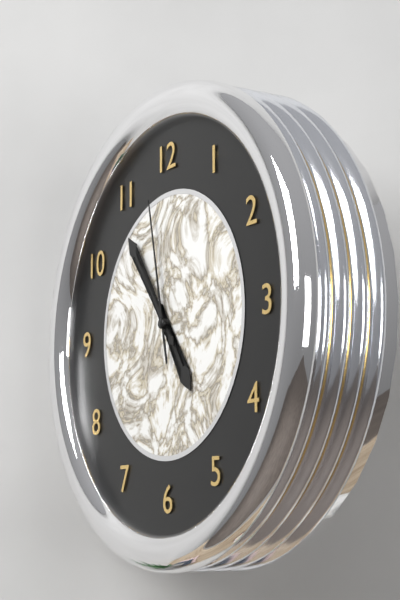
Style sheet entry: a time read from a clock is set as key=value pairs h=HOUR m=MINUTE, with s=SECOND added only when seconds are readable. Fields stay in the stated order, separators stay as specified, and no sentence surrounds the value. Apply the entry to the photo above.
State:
h=4 m=54 s=58
